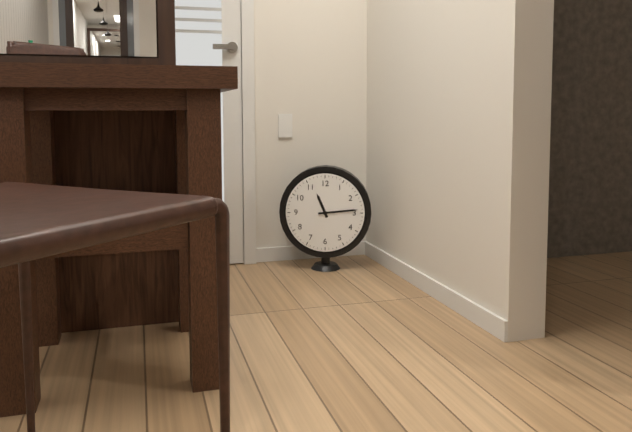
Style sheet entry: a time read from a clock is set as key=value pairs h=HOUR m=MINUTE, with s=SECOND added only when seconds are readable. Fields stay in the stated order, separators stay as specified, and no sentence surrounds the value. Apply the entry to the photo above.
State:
h=11 m=14
